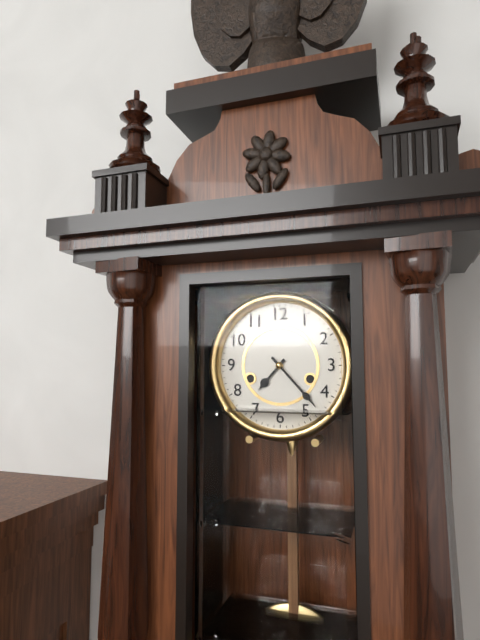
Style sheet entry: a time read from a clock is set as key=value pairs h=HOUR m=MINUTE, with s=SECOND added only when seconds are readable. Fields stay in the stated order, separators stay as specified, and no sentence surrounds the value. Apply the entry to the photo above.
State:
h=7 m=23
